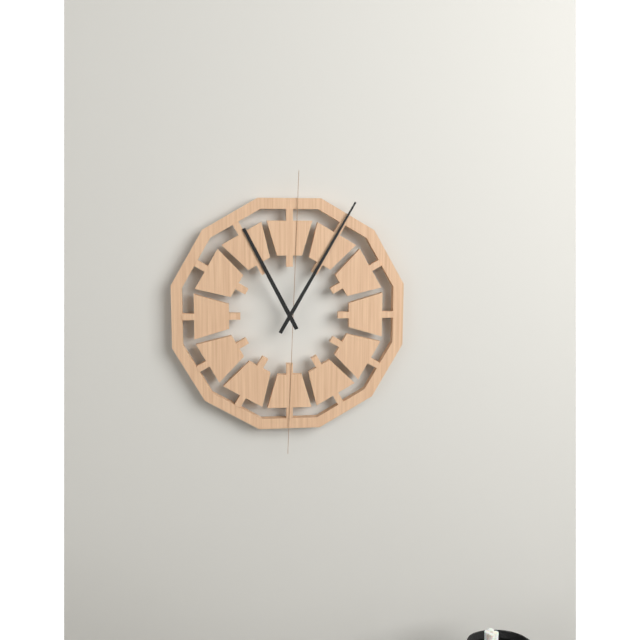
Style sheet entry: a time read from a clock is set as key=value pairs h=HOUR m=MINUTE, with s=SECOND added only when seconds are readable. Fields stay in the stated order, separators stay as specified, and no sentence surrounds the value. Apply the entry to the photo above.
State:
h=11 m=5
